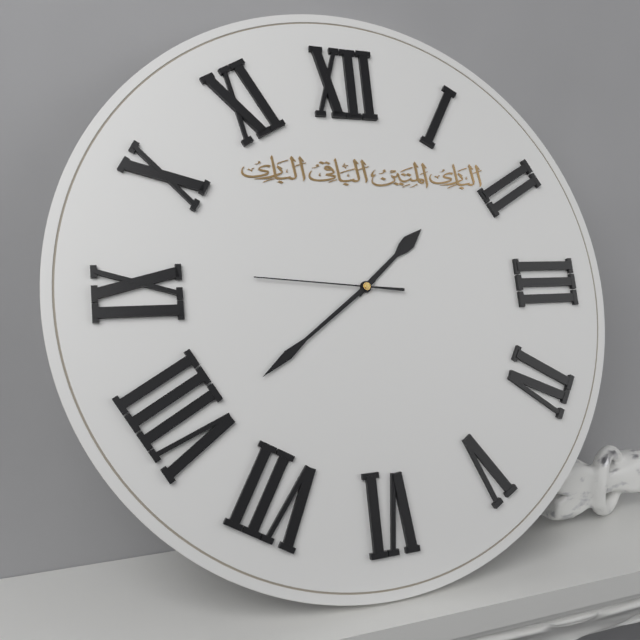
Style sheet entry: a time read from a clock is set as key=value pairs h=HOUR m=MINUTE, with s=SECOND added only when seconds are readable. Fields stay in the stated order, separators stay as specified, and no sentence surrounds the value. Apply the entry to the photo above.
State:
h=1 m=39 s=46
